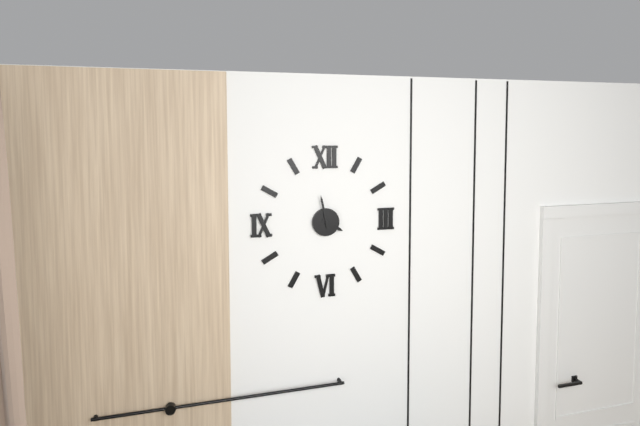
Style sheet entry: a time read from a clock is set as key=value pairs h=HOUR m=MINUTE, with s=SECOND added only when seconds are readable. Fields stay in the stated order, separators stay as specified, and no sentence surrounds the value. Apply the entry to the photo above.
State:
h=3 m=58
